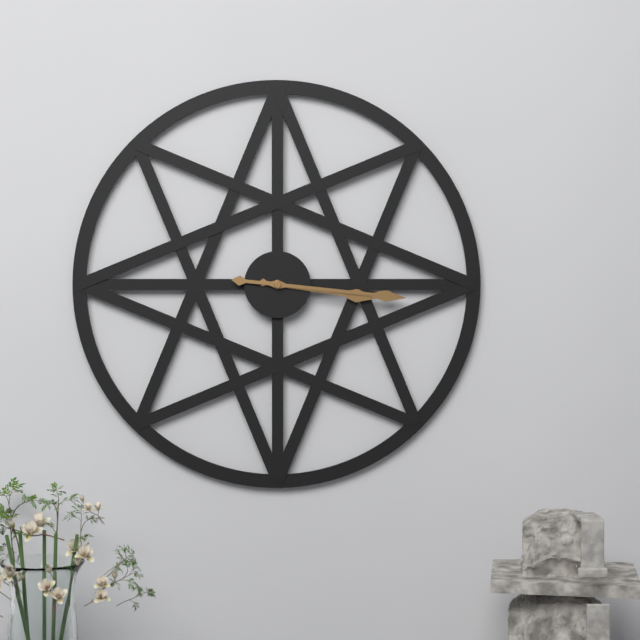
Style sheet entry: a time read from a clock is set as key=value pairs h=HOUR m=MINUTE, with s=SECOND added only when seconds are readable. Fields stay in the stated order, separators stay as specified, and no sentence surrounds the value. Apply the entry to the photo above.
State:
h=3 m=16
